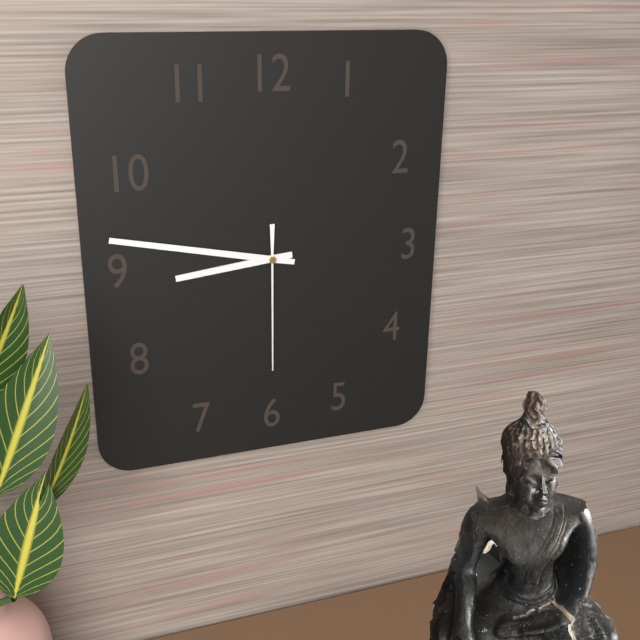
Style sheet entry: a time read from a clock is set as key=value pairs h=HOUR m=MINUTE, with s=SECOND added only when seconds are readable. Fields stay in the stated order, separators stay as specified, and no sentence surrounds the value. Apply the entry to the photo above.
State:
h=8 m=47 s=30
